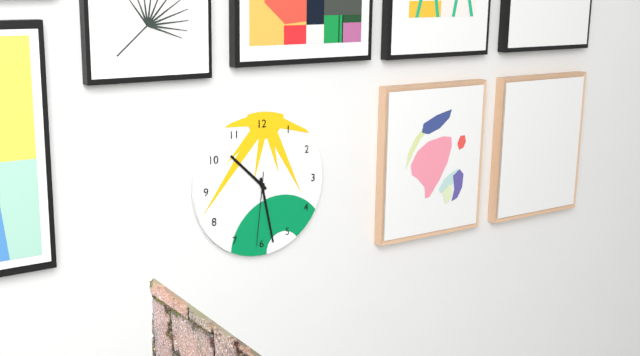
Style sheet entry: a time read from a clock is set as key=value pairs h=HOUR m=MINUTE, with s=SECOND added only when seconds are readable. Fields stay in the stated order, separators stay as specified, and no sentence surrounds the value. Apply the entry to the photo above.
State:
h=10 m=28 s=31
